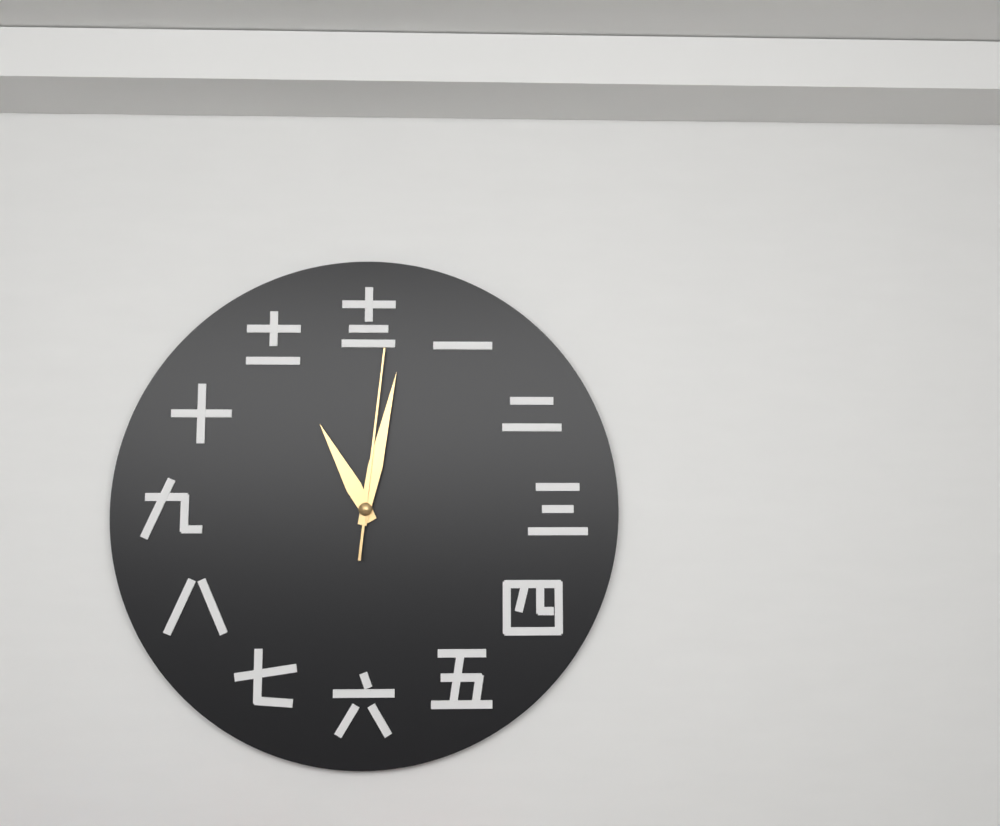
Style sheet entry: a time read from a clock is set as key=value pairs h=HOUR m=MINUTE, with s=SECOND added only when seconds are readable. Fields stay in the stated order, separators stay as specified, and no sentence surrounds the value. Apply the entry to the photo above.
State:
h=11 m=2 s=1
